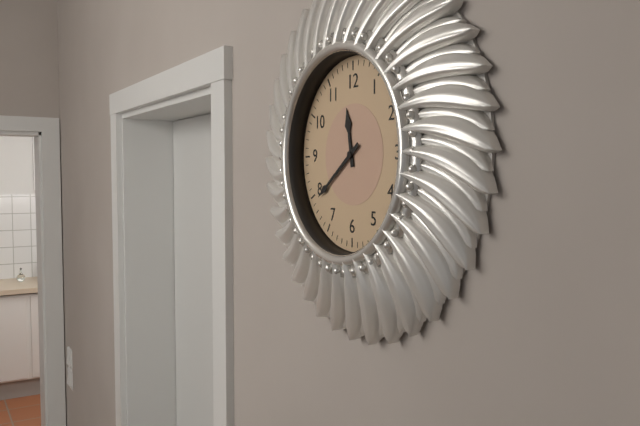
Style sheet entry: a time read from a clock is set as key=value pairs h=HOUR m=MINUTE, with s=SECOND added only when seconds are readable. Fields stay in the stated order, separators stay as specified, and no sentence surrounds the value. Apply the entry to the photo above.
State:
h=11 m=39
